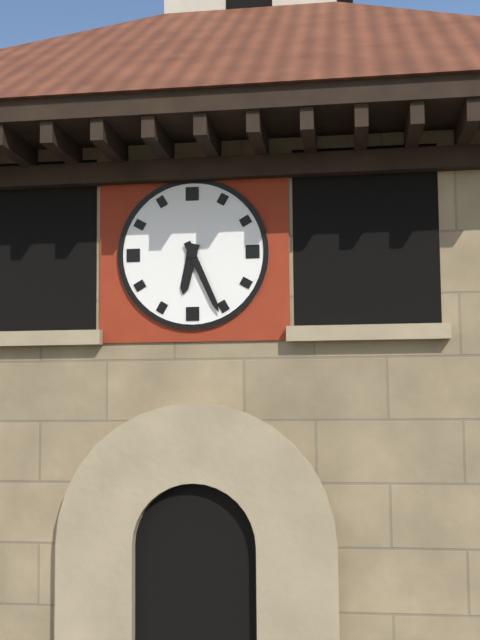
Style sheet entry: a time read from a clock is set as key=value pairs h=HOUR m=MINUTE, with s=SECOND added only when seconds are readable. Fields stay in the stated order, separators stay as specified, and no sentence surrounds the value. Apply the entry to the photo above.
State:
h=6 m=26
